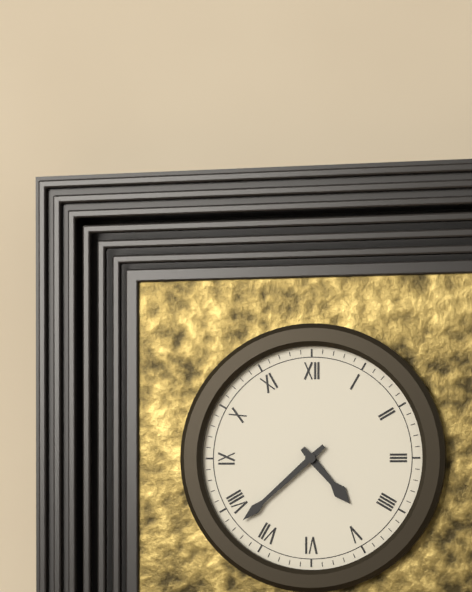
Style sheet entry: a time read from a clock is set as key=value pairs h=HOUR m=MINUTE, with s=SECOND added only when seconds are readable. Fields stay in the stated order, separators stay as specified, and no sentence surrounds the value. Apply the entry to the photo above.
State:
h=4 m=38
